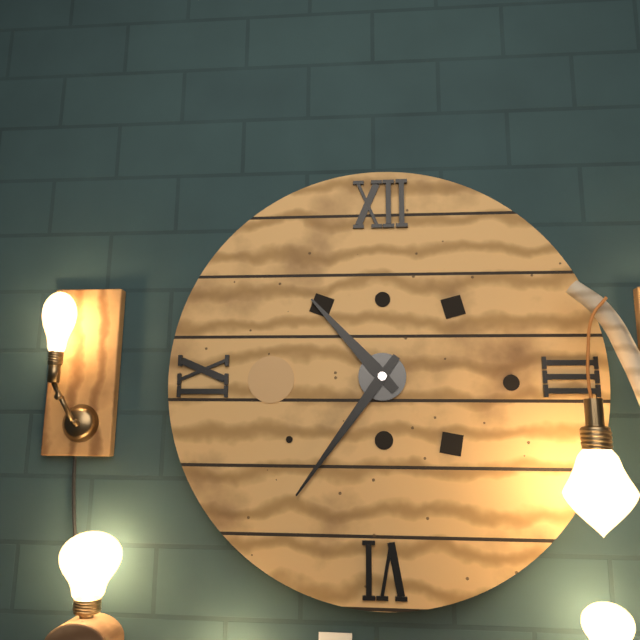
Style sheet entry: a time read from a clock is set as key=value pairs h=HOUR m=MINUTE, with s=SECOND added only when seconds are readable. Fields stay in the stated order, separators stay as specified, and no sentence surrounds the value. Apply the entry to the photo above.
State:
h=10 m=36
